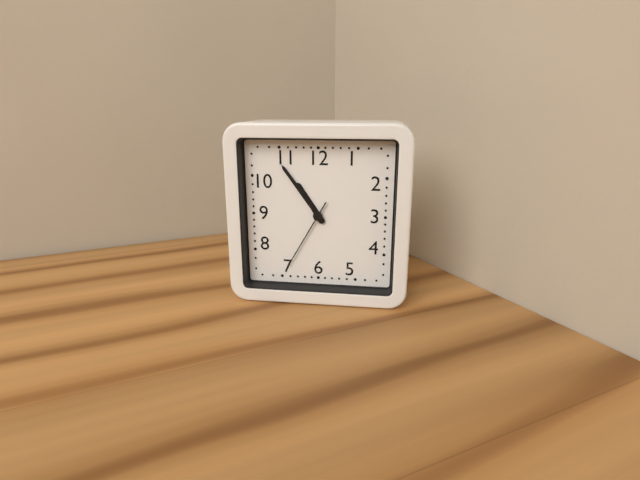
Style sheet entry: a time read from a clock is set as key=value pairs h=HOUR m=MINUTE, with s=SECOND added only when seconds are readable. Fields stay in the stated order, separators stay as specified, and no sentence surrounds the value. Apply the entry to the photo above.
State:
h=10 m=54 s=35
